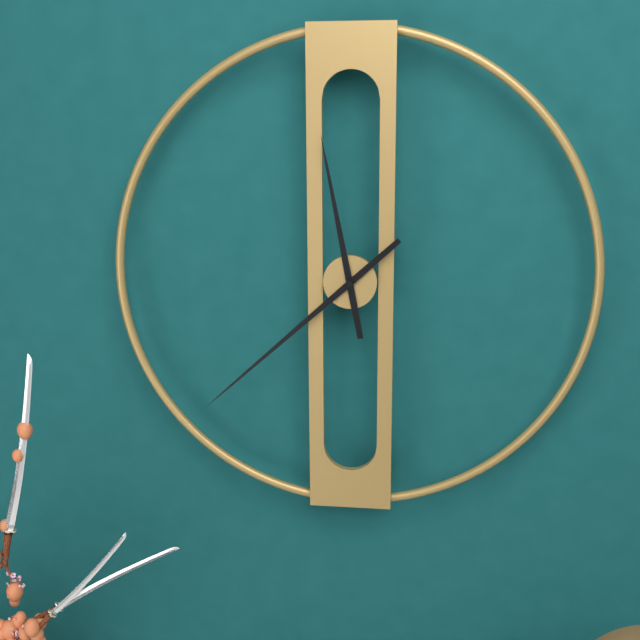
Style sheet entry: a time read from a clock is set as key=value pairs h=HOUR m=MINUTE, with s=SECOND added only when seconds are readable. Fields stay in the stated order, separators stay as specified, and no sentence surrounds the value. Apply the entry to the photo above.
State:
h=11 m=38
